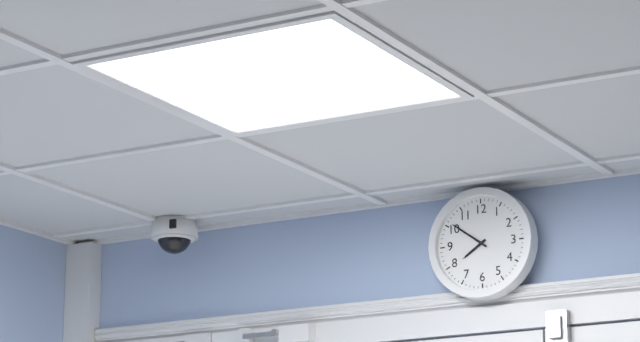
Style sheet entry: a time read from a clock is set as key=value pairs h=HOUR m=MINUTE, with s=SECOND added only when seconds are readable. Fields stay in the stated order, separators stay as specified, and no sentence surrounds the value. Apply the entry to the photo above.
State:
h=7 m=51
